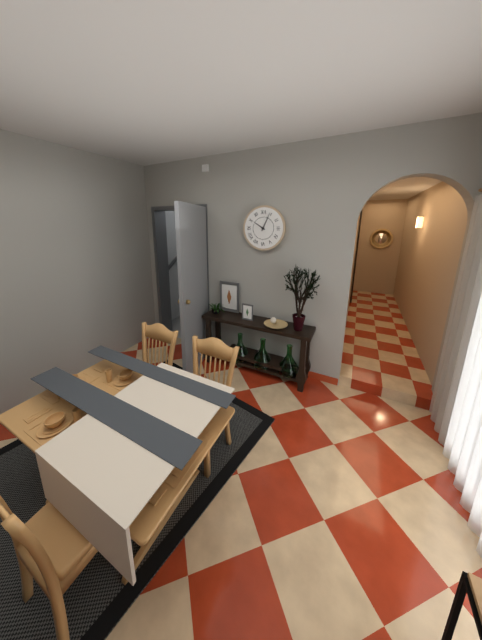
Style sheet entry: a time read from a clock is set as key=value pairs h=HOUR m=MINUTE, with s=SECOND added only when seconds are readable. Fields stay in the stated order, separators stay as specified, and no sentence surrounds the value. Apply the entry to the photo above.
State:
h=10 m=4
